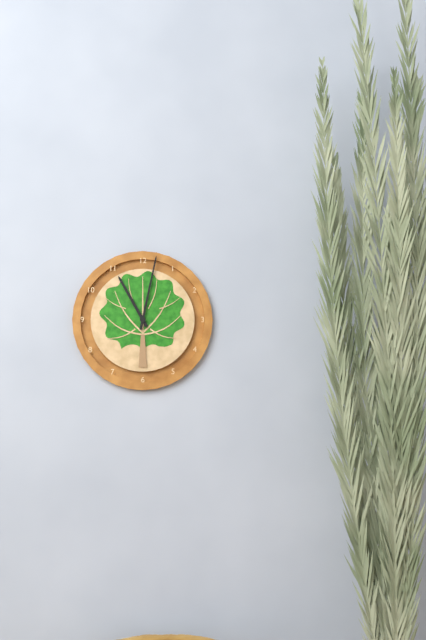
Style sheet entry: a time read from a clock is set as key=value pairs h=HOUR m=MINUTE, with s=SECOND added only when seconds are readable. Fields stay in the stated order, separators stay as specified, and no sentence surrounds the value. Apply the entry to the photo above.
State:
h=11 m=2
